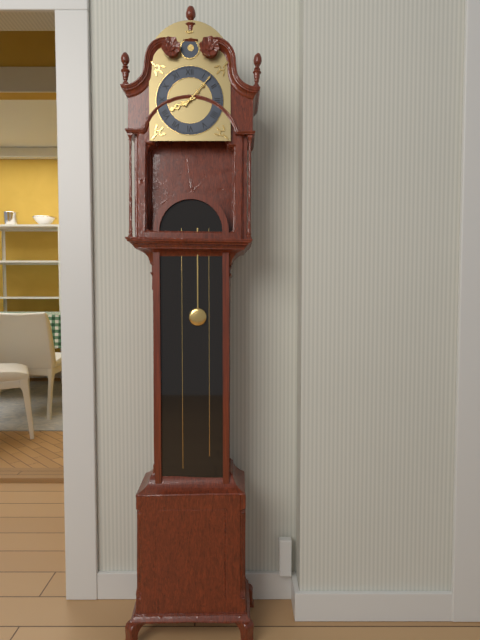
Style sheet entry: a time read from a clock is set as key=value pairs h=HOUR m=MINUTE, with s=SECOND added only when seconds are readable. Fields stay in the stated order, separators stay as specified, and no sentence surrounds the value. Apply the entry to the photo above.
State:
h=8 m=7
